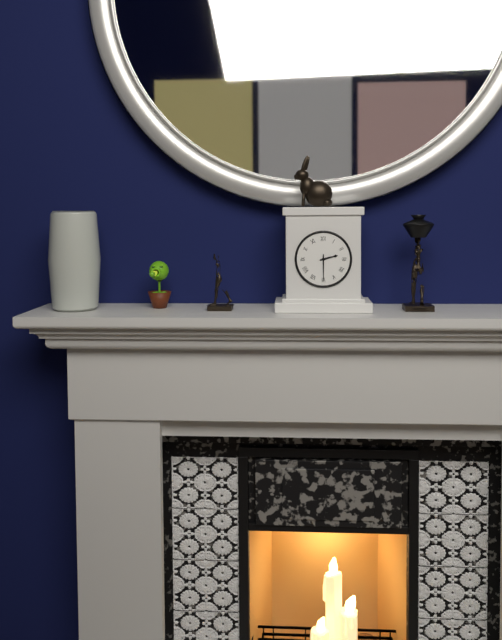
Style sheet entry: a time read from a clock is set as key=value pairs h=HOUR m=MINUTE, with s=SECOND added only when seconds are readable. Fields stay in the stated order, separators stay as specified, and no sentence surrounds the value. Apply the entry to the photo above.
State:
h=2 m=30
